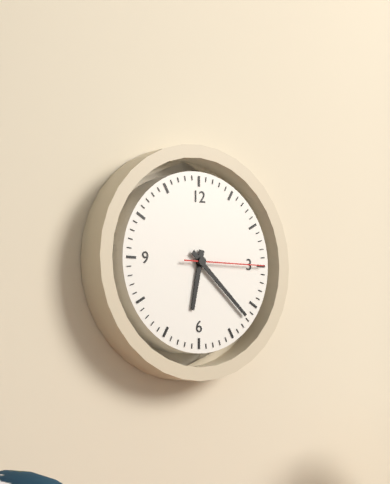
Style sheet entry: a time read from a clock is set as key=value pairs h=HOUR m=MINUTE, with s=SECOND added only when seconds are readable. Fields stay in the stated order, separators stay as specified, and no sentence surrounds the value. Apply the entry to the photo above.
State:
h=6 m=22 s=15
